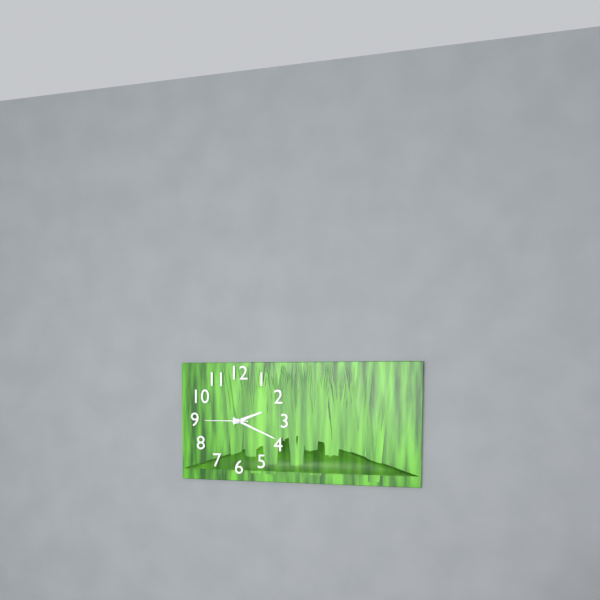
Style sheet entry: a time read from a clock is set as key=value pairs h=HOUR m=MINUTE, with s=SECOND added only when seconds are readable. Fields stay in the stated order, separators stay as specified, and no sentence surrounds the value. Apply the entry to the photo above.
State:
h=2 m=19
